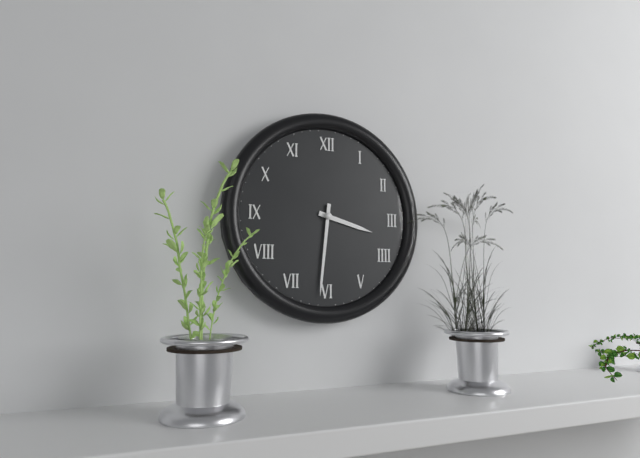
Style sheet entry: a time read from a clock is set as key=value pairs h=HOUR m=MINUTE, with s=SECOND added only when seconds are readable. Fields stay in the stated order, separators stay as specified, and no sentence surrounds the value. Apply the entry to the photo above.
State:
h=3 m=31
